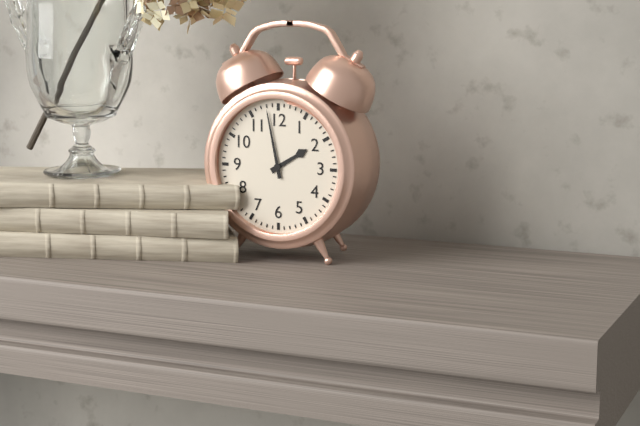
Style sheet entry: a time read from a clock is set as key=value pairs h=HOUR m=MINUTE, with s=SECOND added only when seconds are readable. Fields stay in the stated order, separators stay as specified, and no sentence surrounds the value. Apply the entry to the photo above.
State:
h=1 m=58
